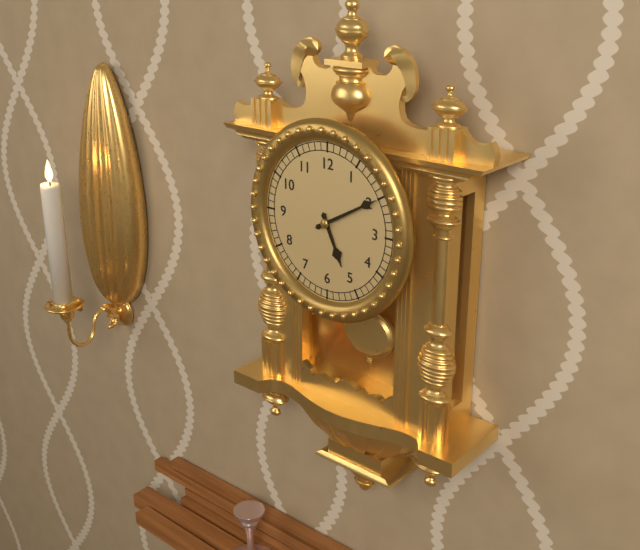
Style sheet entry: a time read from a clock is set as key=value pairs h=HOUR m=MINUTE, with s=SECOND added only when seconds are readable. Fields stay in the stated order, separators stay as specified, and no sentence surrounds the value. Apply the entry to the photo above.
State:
h=5 m=10
